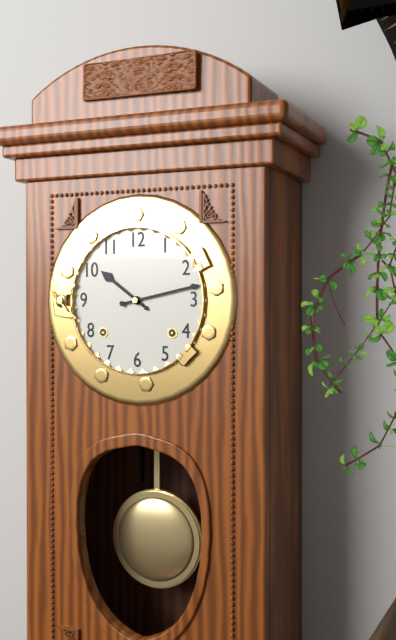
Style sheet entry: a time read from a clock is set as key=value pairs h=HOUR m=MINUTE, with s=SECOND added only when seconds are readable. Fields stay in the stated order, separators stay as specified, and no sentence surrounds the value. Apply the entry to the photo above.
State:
h=10 m=13
